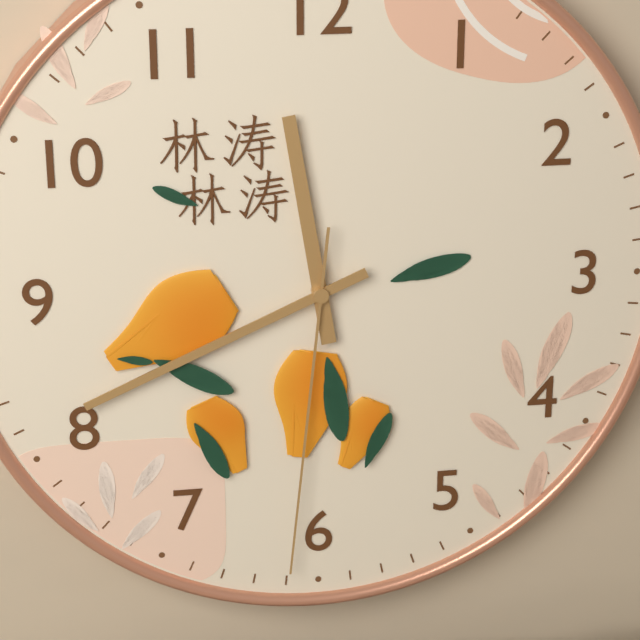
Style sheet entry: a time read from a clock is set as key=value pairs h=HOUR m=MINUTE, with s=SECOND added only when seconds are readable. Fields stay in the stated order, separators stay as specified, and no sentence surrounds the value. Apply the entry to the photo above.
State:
h=11 m=41 s=31
